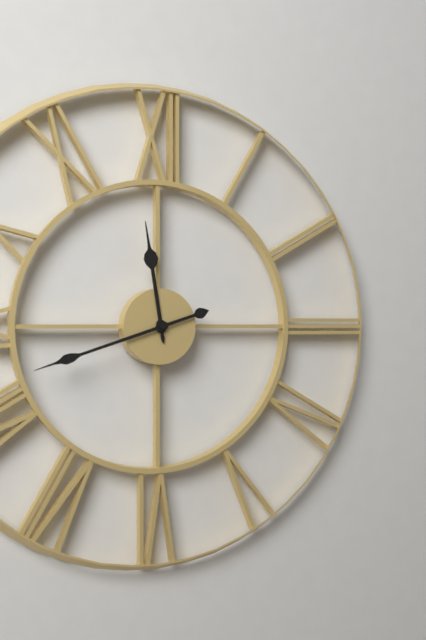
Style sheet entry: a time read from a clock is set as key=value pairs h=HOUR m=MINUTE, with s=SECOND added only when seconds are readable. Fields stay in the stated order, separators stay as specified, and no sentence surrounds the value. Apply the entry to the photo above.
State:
h=11 m=42
